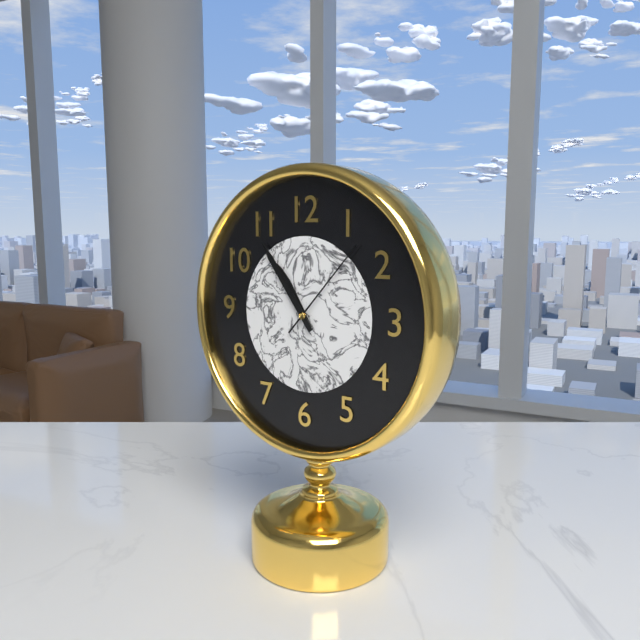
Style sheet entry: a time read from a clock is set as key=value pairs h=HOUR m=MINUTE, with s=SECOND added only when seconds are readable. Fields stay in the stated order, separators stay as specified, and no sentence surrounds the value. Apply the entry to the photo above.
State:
h=10 m=54 s=7
